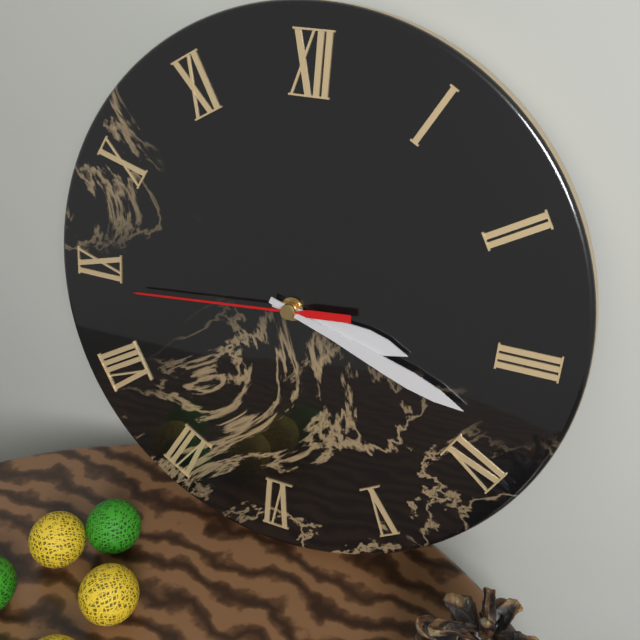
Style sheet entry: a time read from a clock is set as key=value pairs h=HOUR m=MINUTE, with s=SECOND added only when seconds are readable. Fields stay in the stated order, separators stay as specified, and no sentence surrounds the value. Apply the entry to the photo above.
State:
h=3 m=18 s=44
